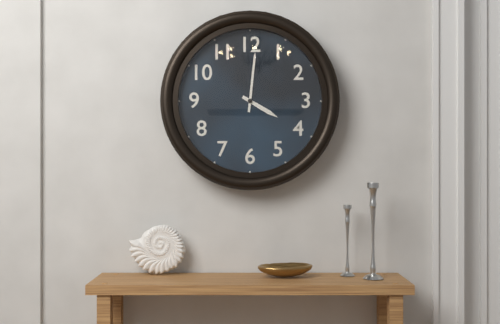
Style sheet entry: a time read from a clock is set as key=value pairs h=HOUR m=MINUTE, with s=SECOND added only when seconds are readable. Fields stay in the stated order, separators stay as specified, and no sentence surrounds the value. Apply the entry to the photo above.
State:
h=4 m=1
